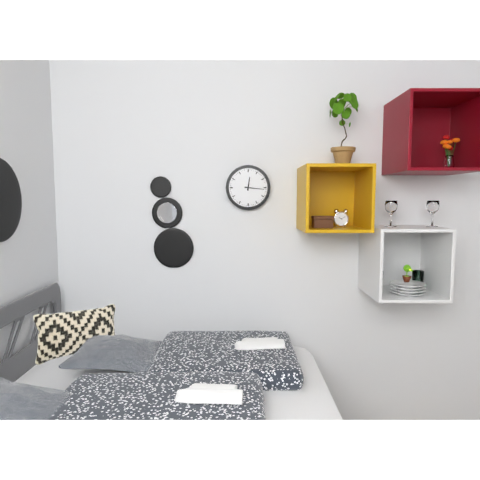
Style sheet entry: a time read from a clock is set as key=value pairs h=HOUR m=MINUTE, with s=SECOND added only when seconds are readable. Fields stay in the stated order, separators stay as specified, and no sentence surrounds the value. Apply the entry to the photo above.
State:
h=12 m=16
